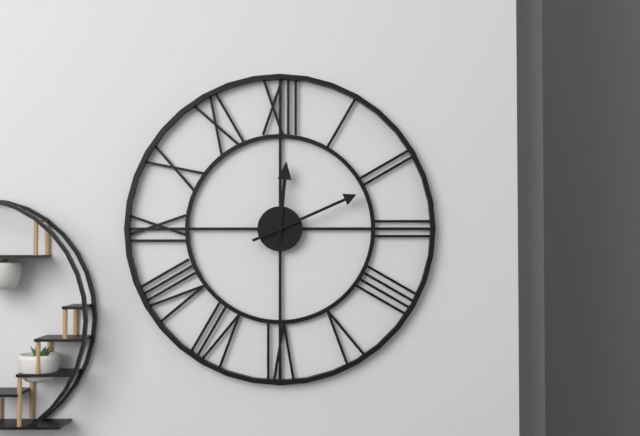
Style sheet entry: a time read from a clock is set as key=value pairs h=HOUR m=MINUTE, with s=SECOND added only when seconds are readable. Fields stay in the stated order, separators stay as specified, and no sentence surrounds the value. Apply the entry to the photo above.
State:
h=12 m=11
